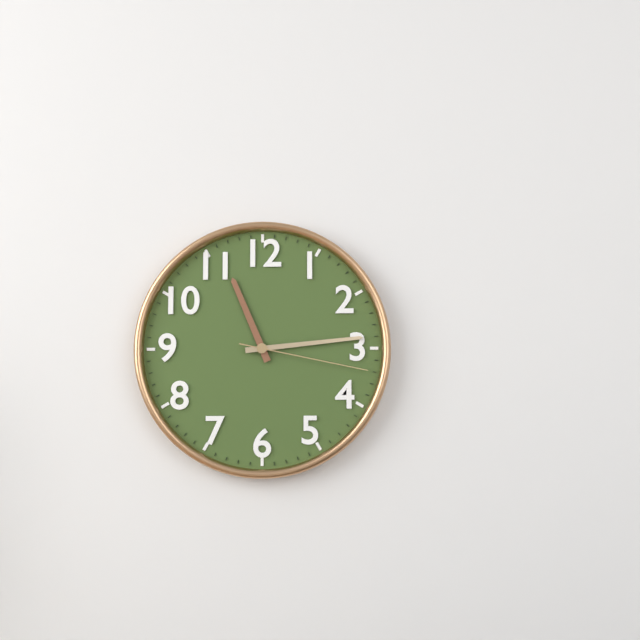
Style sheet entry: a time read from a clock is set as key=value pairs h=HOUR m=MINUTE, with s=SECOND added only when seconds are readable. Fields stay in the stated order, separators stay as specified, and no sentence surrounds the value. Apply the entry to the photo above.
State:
h=11 m=14 s=17
